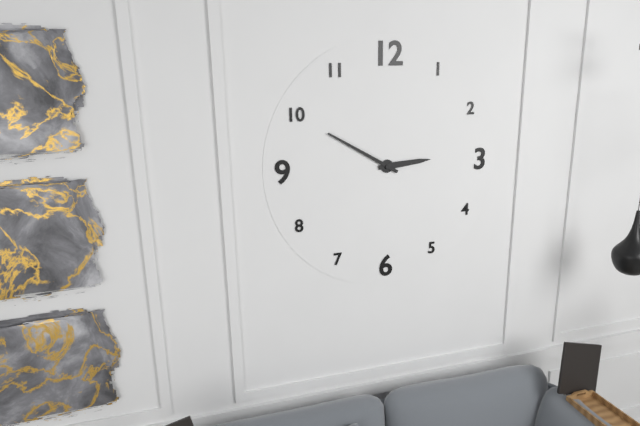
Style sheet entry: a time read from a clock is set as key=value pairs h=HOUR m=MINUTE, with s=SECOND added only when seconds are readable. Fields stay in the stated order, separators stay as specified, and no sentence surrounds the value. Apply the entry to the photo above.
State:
h=2 m=50
